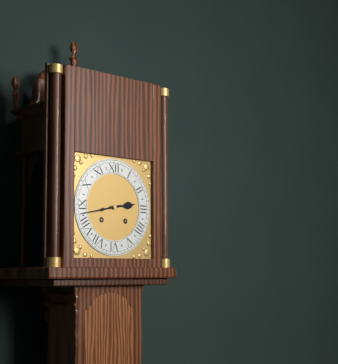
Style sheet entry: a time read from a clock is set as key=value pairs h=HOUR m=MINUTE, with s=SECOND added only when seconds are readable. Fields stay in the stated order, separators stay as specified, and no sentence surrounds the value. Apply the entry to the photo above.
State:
h=2 m=43
